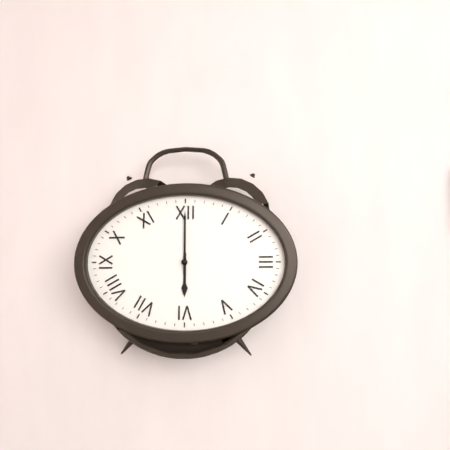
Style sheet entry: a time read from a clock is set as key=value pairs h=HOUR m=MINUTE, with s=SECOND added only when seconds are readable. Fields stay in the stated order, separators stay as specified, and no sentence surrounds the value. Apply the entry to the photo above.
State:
h=6 m=0
